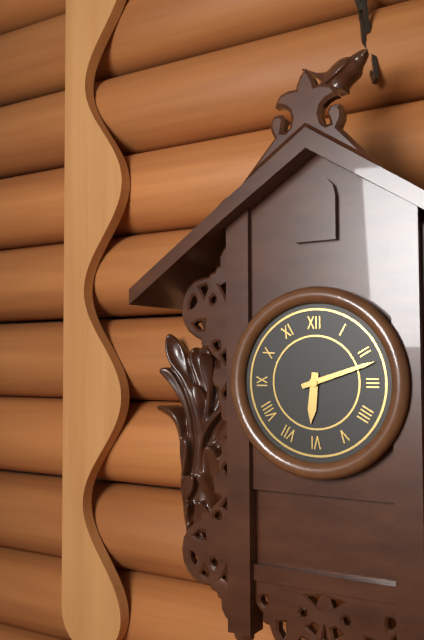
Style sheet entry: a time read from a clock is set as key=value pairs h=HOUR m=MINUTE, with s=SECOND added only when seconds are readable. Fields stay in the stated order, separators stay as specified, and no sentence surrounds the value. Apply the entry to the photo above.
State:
h=6 m=12
